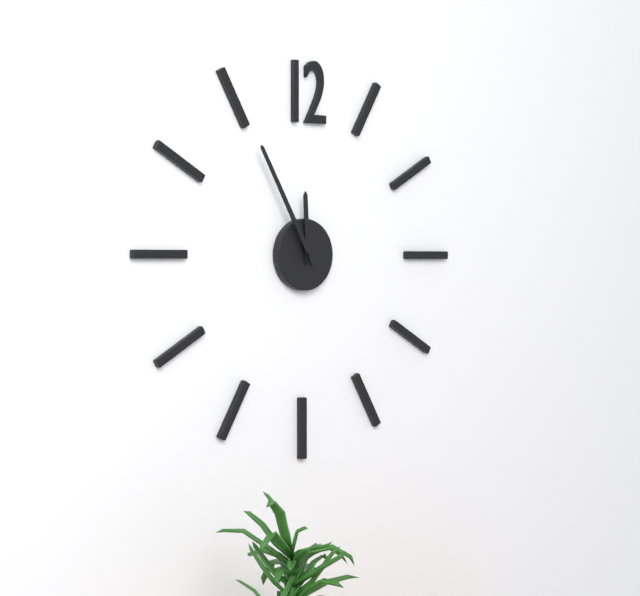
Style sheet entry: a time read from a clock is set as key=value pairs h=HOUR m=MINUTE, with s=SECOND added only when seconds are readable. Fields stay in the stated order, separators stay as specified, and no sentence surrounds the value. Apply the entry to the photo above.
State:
h=11 m=55
